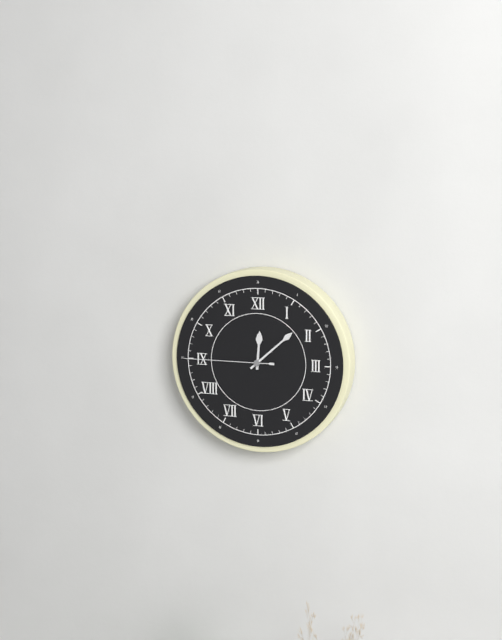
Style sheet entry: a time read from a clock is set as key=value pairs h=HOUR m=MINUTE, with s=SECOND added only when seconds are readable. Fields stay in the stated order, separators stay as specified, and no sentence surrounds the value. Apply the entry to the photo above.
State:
h=12 m=8 s=45
